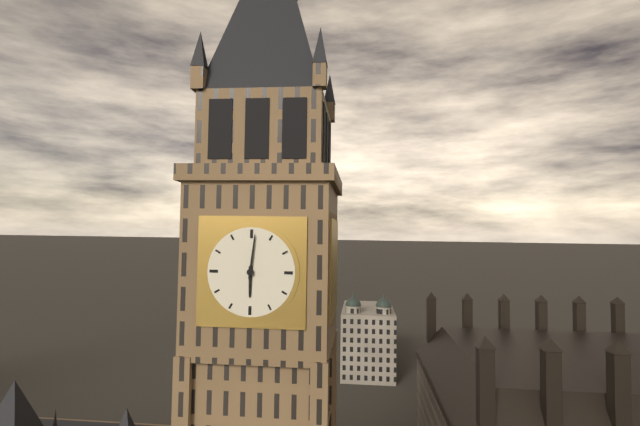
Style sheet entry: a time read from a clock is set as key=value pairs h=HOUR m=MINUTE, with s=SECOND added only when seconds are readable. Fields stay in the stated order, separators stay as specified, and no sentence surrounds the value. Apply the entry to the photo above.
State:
h=6 m=1
